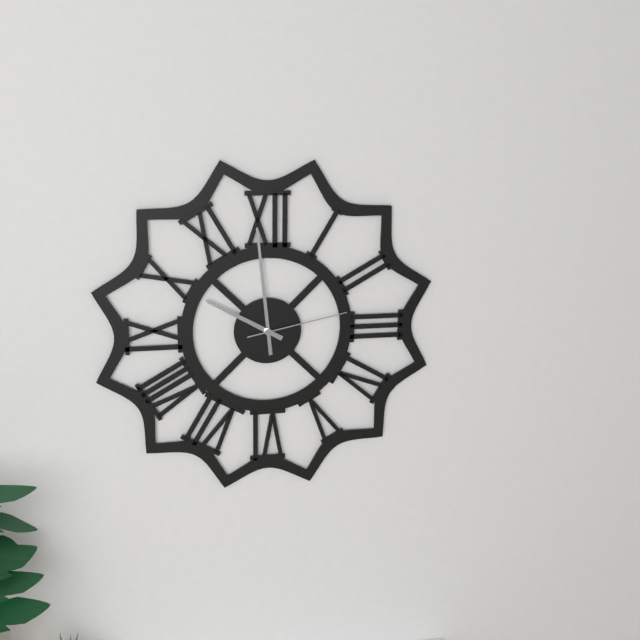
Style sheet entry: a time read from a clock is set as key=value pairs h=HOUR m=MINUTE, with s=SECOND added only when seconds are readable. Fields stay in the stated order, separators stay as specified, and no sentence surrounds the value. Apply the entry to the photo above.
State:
h=9 m=59 s=13
